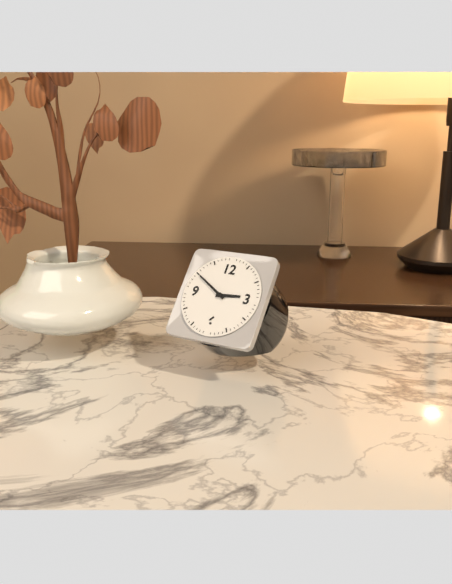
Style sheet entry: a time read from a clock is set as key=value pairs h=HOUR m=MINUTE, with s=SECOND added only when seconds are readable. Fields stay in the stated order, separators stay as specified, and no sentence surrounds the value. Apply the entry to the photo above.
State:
h=2 m=50
